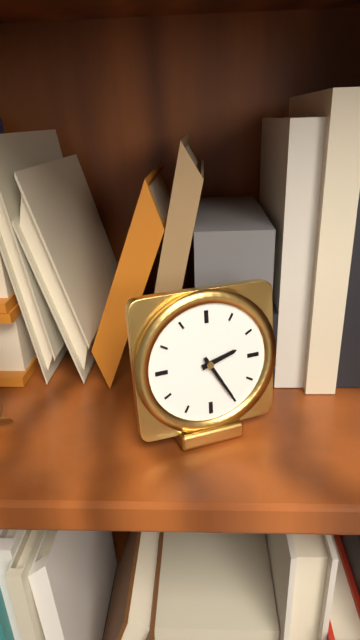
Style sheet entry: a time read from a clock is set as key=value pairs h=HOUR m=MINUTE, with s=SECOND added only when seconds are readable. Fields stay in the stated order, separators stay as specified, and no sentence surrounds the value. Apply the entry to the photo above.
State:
h=2 m=25
